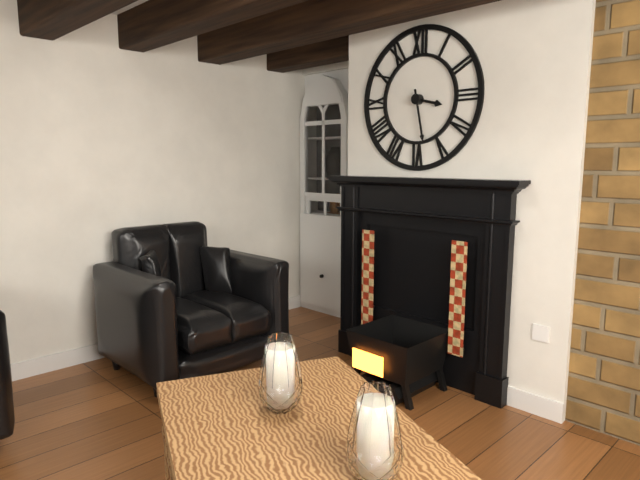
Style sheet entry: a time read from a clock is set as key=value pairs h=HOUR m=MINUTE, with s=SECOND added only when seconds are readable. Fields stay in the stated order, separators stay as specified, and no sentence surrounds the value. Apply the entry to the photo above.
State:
h=3 m=28
